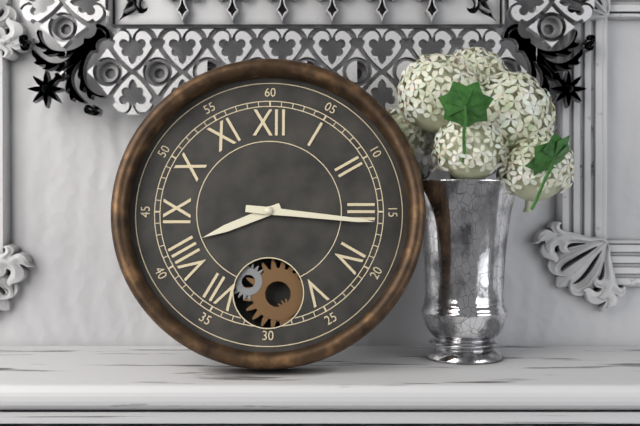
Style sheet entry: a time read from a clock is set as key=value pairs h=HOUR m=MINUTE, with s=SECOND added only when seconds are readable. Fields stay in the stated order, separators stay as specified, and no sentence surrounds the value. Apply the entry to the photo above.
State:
h=8 m=16
